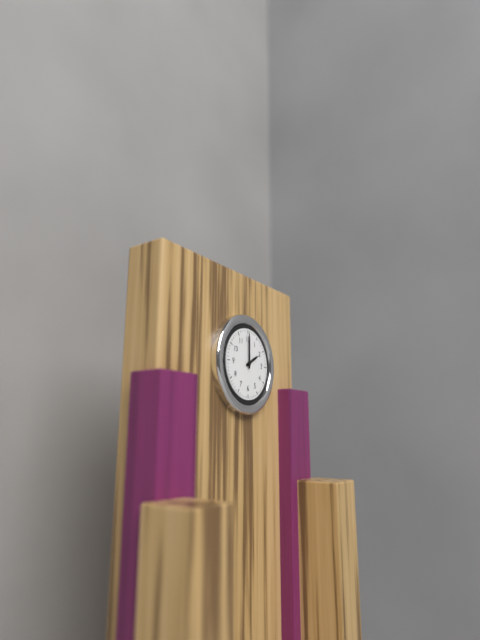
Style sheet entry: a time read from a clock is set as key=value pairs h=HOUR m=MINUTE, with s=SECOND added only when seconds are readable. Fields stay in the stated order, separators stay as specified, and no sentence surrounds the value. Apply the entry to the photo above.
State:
h=2 m=0
